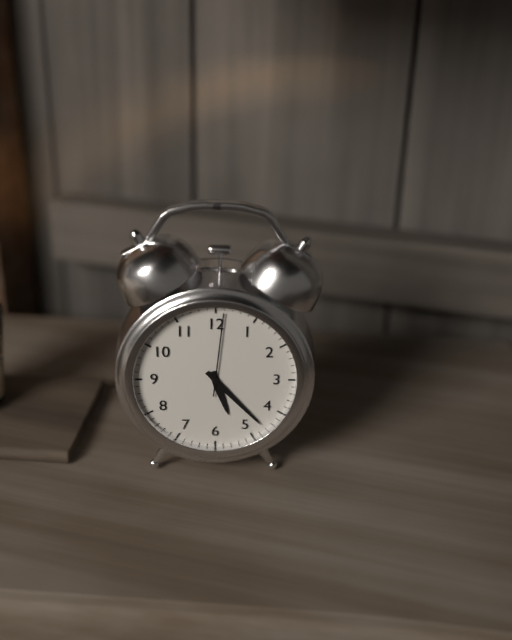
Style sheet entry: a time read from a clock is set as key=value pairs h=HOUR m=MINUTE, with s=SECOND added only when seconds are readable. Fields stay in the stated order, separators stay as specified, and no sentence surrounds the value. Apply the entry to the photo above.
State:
h=5 m=23 s=1
